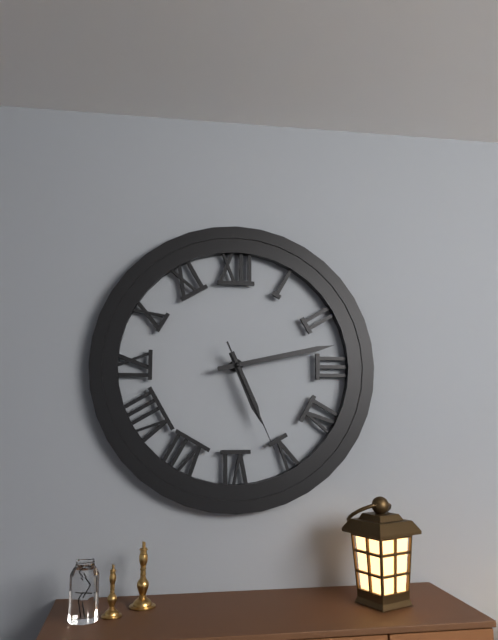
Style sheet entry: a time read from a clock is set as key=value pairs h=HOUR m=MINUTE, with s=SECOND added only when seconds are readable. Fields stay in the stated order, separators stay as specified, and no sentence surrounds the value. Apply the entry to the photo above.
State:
h=5 m=13 s=26
